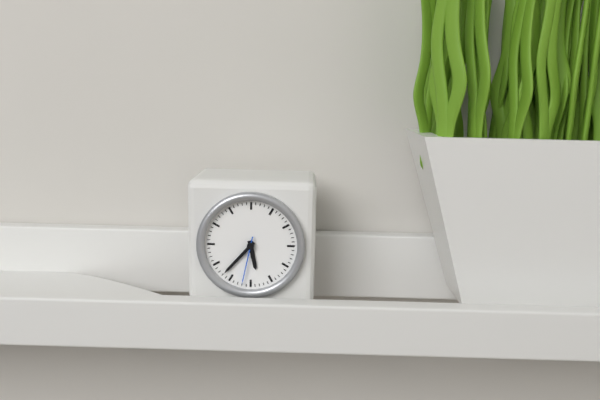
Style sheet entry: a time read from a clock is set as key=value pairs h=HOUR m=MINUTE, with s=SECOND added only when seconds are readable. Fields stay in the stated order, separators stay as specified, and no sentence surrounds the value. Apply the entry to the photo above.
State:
h=5 m=37 s=32
